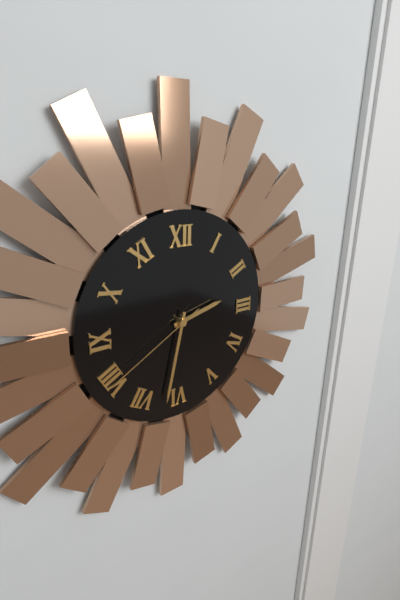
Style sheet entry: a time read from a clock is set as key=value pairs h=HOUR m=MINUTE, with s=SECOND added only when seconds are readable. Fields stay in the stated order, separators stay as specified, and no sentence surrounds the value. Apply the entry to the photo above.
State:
h=2 m=32 s=40
